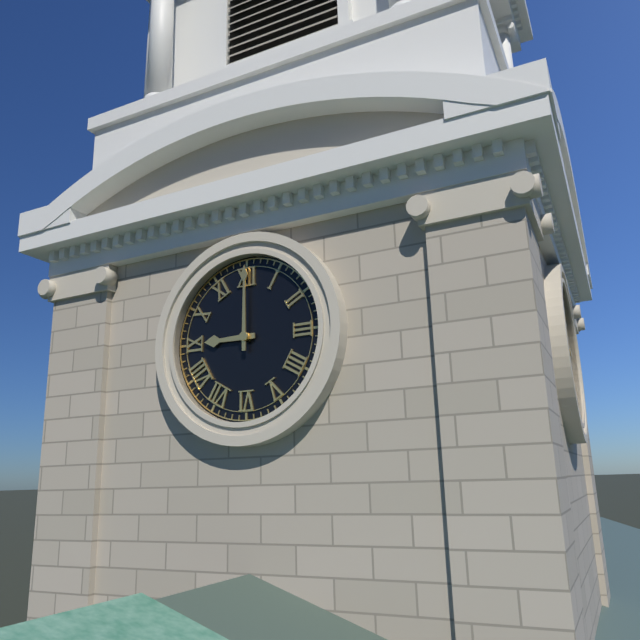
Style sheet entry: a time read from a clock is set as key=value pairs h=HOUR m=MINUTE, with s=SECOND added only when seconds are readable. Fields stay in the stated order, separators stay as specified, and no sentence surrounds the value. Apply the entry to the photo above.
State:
h=9 m=0
